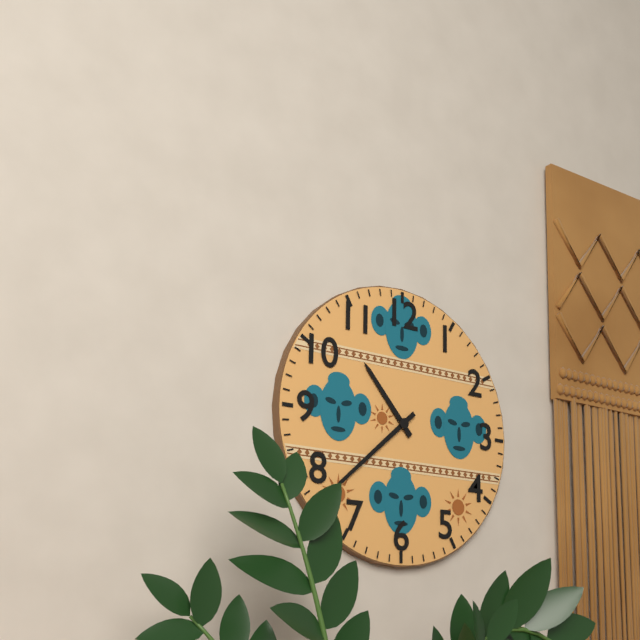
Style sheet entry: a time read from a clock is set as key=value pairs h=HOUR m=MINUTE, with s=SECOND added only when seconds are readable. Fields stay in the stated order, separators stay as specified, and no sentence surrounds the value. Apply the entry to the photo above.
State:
h=10 m=38
